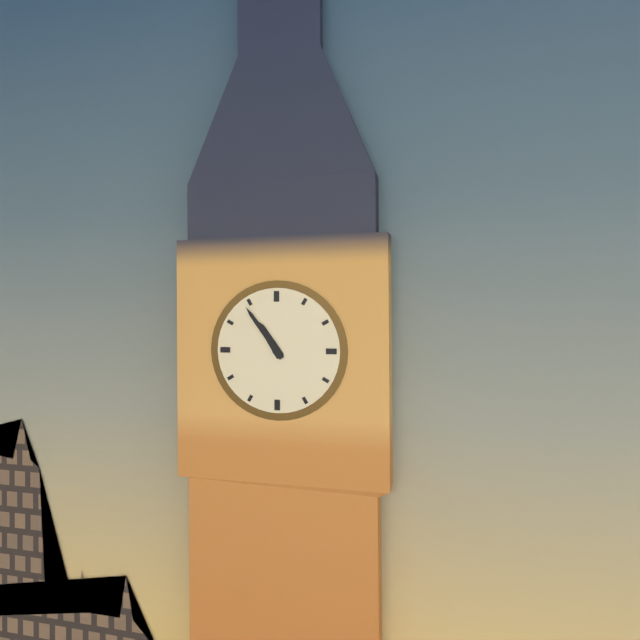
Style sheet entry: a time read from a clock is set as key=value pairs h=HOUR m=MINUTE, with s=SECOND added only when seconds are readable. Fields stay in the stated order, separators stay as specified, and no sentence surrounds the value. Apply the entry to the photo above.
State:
h=10 m=54
